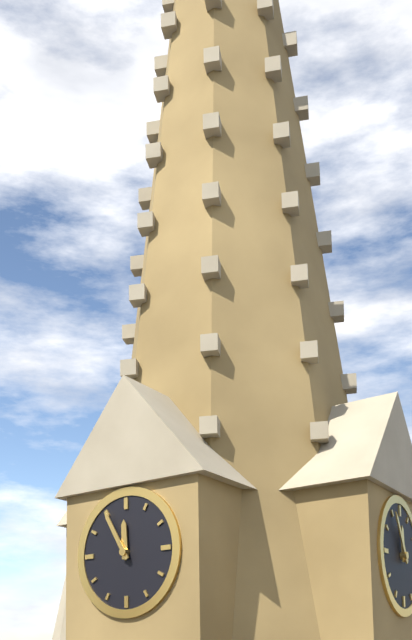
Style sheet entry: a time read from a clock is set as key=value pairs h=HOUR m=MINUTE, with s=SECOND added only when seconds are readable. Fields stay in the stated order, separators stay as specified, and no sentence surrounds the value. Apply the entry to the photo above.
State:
h=11 m=55
